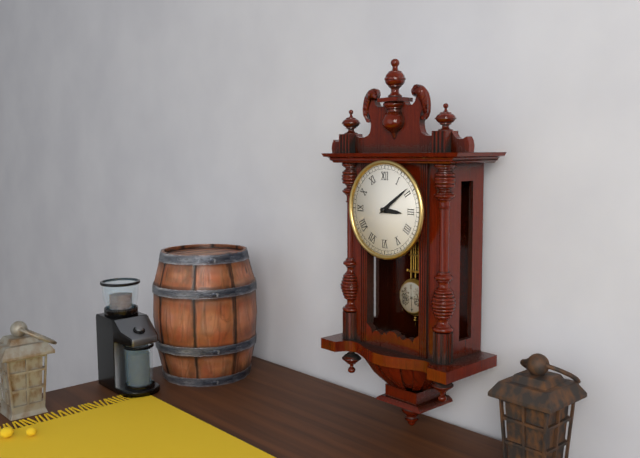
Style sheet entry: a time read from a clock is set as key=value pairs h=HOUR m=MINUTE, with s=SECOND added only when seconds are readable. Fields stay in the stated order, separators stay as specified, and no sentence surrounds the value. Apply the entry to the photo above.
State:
h=3 m=9
